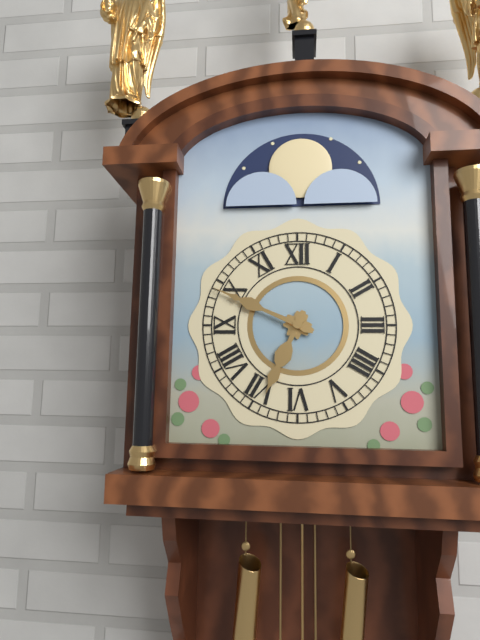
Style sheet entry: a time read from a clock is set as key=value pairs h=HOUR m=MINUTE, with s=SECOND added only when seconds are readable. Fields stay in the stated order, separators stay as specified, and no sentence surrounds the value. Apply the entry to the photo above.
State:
h=6 m=49
